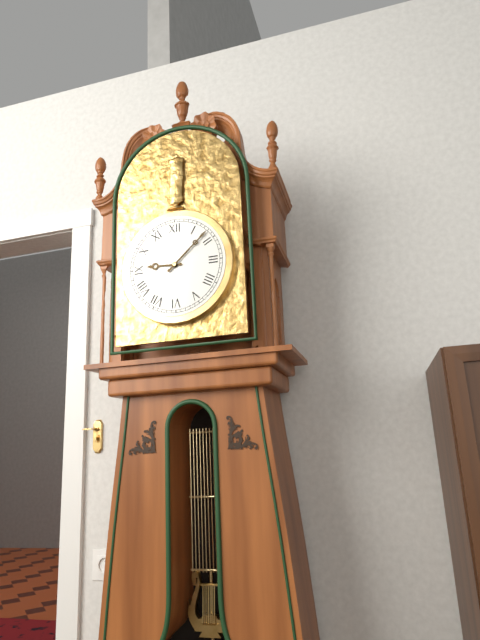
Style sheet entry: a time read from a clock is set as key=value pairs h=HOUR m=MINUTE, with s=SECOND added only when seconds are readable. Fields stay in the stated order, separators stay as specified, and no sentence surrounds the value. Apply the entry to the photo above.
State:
h=9 m=8
